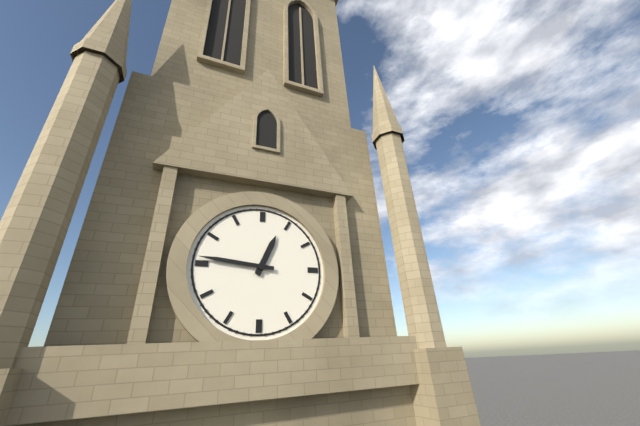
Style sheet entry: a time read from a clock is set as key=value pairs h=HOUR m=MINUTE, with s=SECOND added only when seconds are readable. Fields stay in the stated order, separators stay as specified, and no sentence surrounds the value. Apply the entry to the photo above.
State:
h=12 m=46
